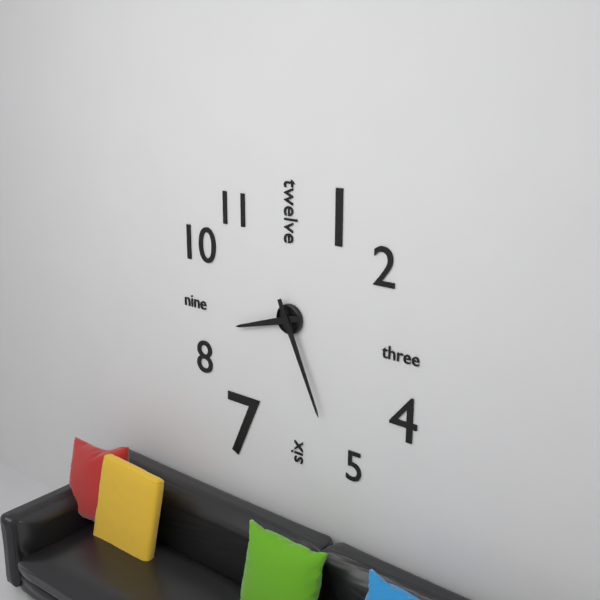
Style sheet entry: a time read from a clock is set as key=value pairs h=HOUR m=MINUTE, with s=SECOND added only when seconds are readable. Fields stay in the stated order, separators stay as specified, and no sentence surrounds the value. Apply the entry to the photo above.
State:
h=8 m=26
